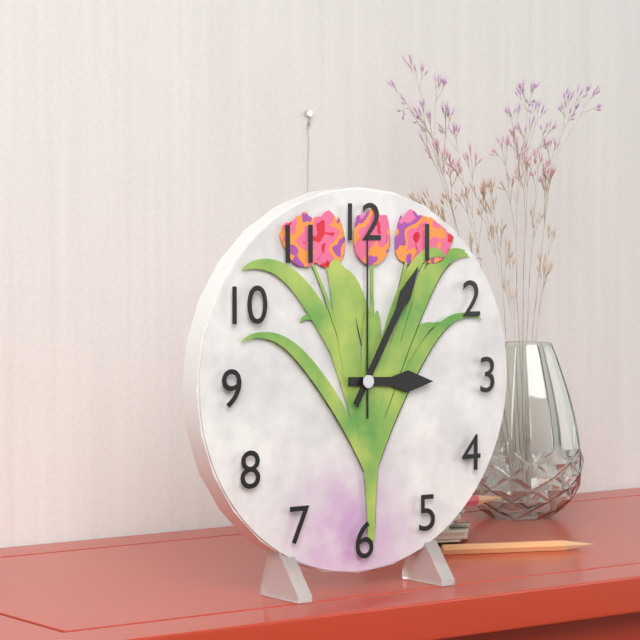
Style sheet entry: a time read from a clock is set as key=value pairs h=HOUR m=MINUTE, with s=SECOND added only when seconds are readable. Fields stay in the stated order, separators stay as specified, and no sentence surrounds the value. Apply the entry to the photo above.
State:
h=3 m=5 s=0
